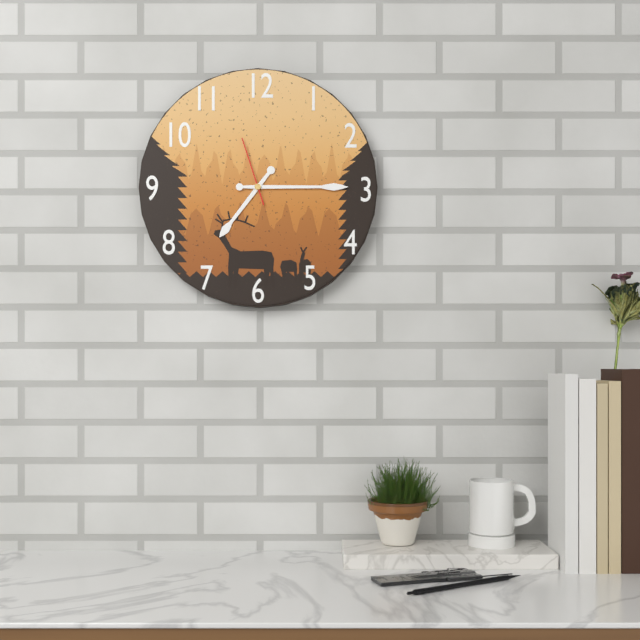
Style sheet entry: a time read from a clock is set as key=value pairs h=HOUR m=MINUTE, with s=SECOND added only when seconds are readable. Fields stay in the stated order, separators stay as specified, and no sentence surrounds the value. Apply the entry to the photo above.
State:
h=7 m=15 s=57
